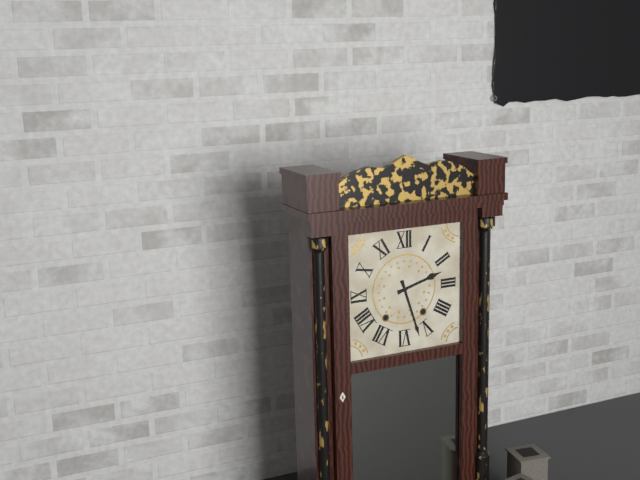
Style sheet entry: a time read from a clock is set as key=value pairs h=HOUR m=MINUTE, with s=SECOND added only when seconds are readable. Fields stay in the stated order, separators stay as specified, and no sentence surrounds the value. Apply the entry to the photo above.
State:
h=2 m=27
